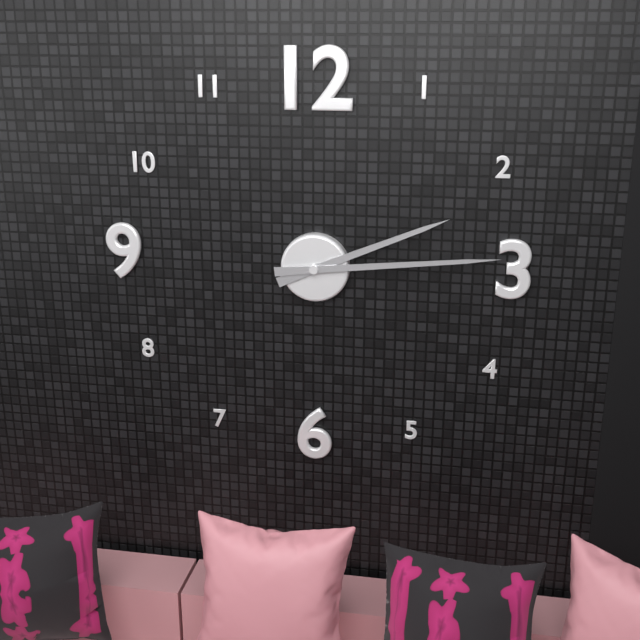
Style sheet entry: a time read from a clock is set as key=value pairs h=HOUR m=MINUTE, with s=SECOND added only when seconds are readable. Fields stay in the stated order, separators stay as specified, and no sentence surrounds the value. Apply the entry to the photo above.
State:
h=2 m=14
